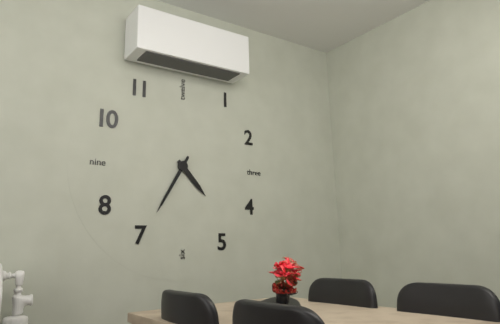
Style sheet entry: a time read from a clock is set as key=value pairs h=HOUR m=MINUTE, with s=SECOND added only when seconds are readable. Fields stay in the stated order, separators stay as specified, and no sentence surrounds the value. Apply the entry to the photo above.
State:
h=4 m=35
